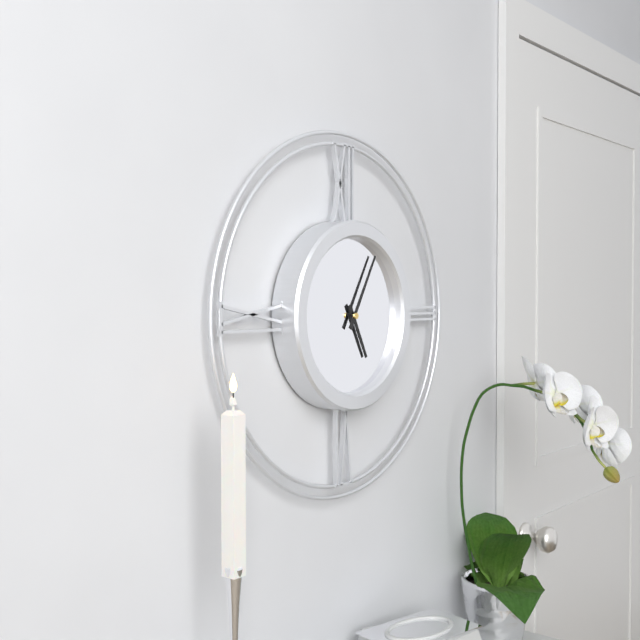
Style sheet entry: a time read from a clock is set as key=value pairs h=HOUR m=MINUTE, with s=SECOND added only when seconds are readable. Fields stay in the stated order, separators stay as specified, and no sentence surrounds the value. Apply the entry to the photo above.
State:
h=5 m=5
